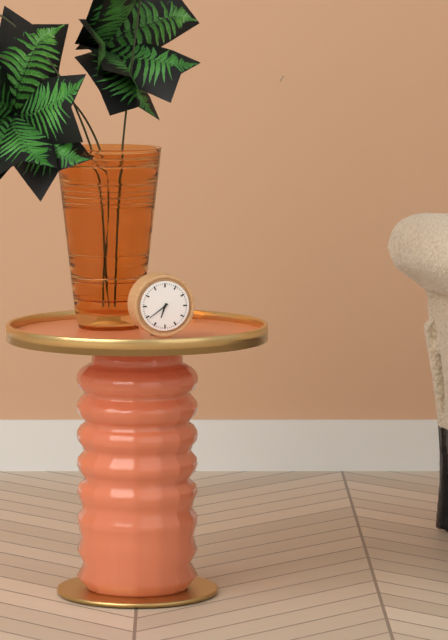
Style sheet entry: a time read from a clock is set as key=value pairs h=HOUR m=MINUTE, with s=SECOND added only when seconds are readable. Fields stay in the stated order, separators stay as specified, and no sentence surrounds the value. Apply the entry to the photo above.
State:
h=6 m=39
